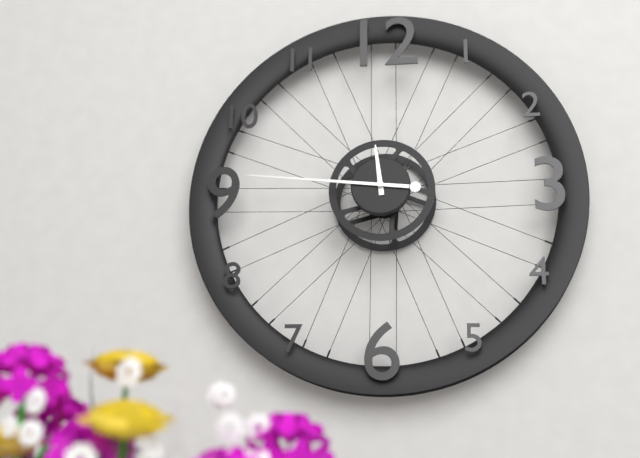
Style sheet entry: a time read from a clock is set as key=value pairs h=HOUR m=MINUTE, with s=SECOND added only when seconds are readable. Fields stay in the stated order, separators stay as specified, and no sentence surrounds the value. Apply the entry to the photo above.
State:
h=11 m=46
